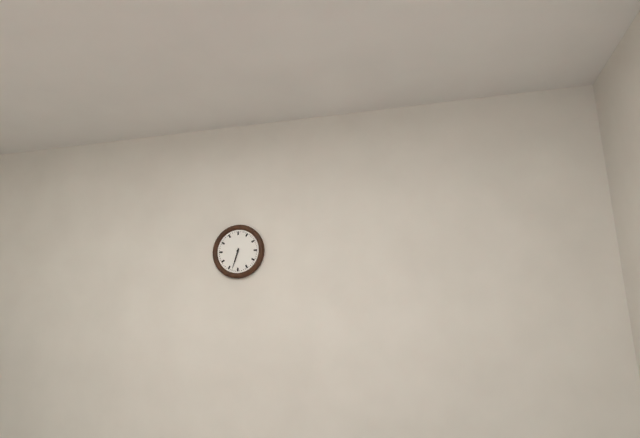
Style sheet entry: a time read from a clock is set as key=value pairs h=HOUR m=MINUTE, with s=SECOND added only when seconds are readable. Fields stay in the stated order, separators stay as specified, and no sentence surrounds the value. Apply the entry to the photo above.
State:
h=6 m=33
